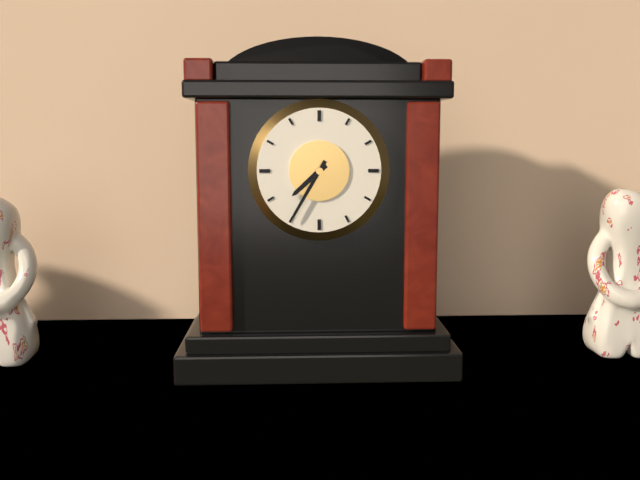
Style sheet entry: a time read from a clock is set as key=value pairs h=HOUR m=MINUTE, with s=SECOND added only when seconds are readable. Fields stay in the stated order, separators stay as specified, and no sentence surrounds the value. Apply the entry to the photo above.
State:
h=7 m=35
